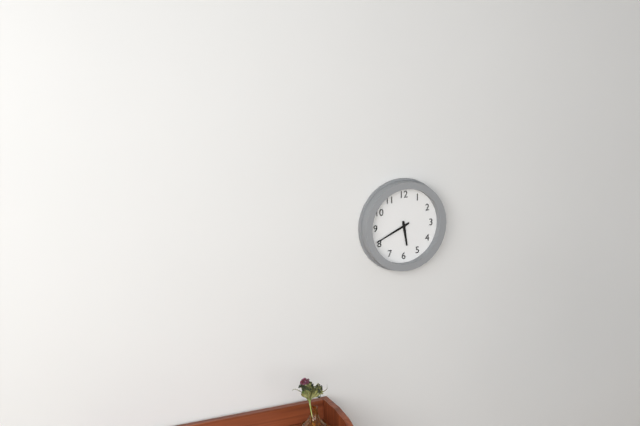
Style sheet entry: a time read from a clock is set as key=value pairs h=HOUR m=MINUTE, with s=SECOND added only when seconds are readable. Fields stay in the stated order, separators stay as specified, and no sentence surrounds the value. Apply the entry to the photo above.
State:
h=5 m=41
